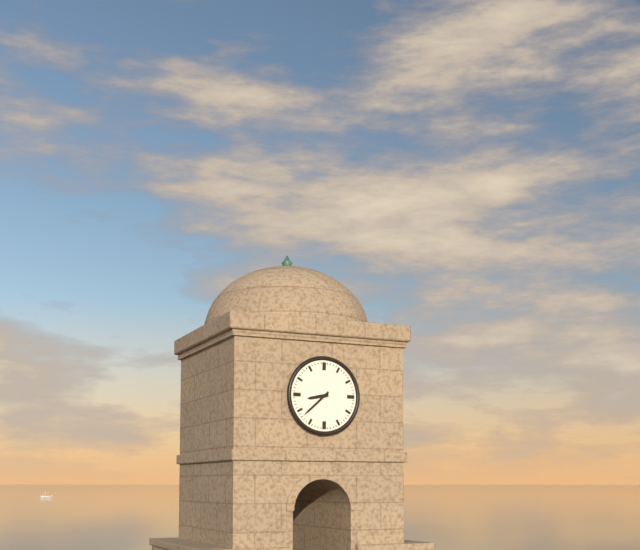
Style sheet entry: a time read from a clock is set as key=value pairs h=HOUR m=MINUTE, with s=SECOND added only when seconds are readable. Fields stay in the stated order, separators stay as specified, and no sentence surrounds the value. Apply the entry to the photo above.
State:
h=8 m=38
